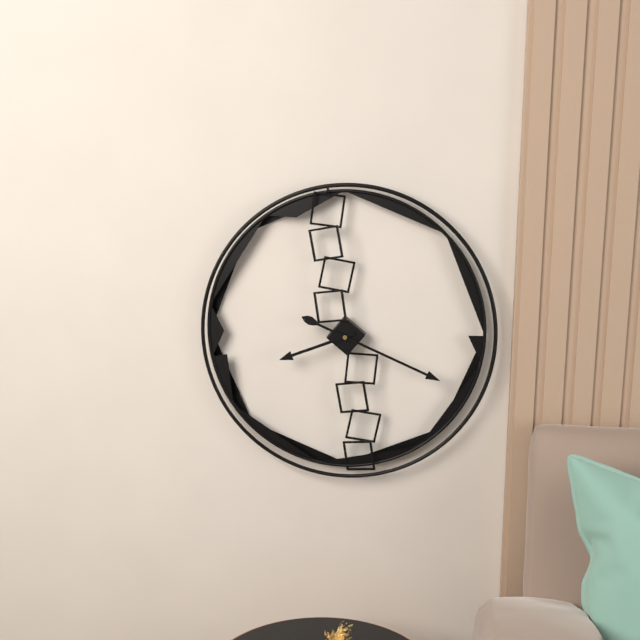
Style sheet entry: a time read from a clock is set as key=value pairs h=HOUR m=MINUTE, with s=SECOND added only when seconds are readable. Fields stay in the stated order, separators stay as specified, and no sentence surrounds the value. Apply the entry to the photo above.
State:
h=8 m=19
